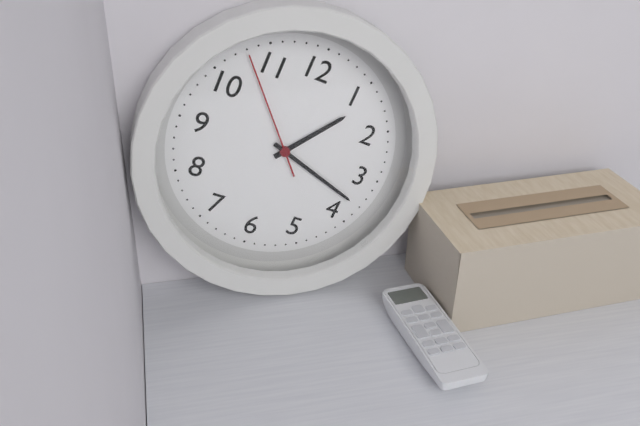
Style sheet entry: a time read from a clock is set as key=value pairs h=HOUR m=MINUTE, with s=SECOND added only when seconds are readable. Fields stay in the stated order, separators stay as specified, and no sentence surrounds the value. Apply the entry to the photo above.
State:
h=1 m=18 s=53
